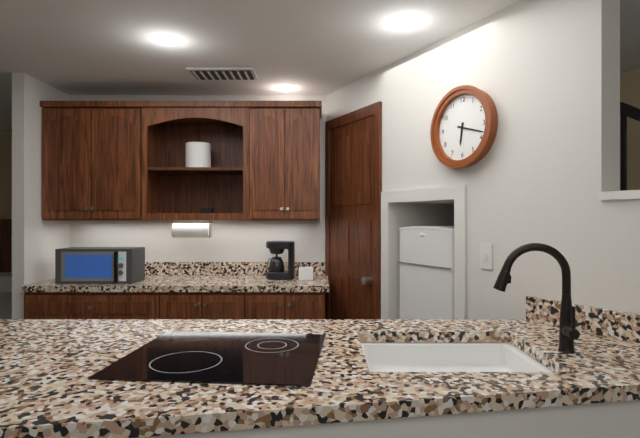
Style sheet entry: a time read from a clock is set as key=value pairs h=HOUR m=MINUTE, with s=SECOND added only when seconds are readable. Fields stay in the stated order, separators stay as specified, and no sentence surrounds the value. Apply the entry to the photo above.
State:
h=6 m=18
